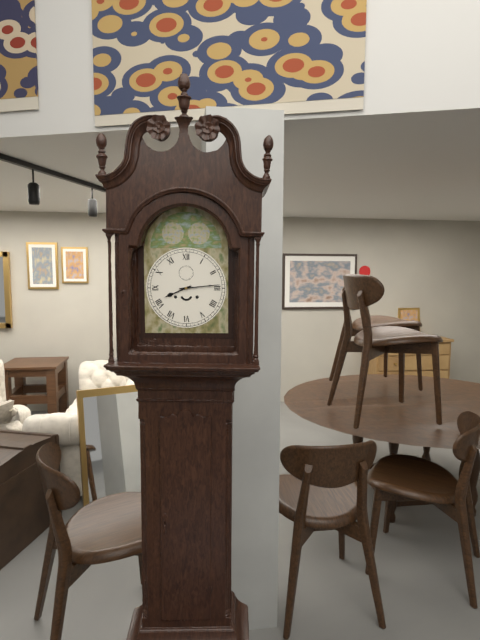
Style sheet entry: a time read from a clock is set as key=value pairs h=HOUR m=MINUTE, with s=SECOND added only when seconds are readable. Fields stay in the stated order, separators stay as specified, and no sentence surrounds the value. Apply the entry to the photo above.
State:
h=8 m=14
